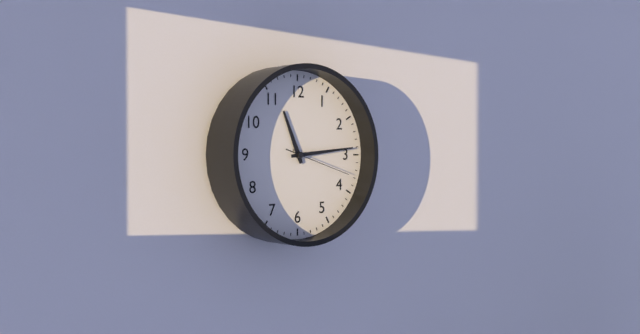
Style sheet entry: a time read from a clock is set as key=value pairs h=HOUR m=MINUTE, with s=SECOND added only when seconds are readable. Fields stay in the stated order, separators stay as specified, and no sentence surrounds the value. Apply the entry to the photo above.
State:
h=11 m=14 s=18
